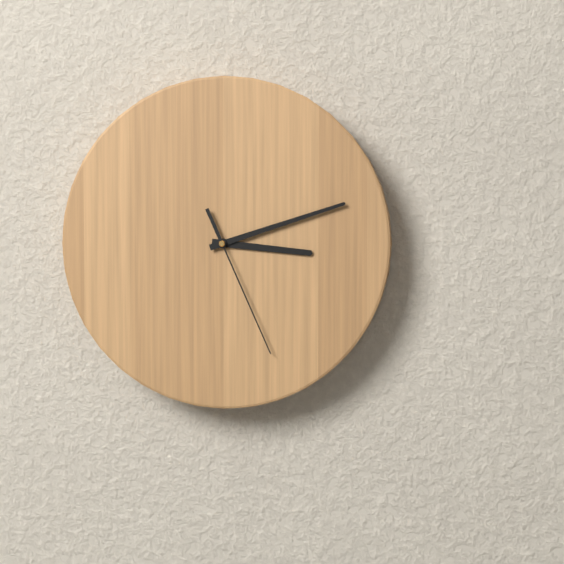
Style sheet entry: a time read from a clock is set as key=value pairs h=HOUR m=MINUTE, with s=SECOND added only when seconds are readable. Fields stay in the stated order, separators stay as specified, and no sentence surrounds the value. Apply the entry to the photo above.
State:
h=3 m=12 s=26
